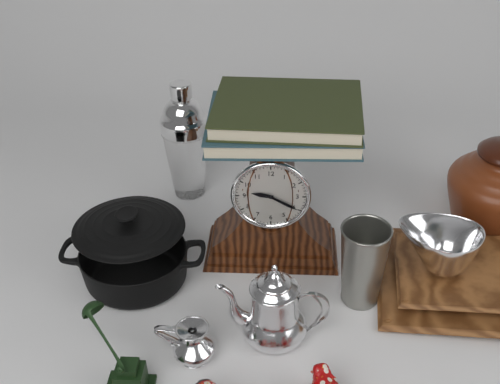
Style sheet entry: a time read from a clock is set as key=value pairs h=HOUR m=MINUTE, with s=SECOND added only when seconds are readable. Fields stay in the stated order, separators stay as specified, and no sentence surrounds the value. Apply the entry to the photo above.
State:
h=9 m=20
